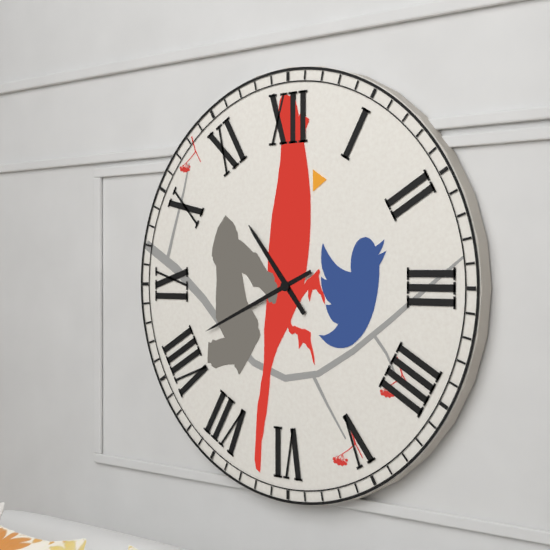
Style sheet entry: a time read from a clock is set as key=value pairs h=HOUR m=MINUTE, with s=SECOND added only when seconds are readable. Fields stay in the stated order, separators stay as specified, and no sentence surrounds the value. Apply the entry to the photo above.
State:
h=10 m=41
